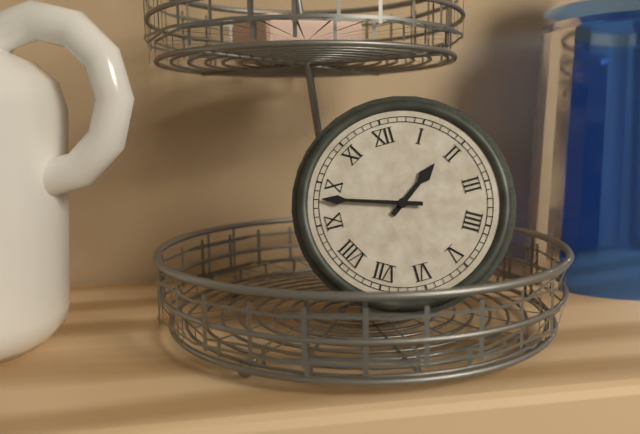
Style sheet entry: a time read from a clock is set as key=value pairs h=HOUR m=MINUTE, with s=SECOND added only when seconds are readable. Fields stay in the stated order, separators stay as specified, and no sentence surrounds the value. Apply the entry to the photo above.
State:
h=1 m=48
